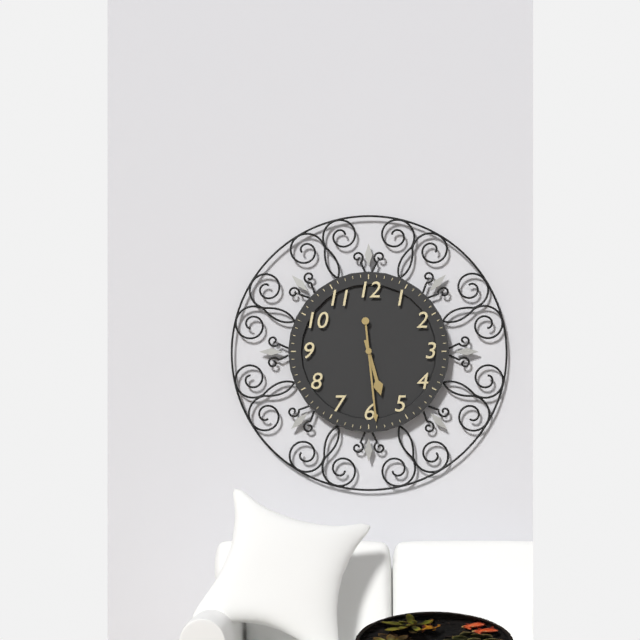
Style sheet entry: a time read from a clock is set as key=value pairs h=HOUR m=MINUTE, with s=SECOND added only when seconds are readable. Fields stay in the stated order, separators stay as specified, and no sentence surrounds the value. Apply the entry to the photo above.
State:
h=5 m=29
